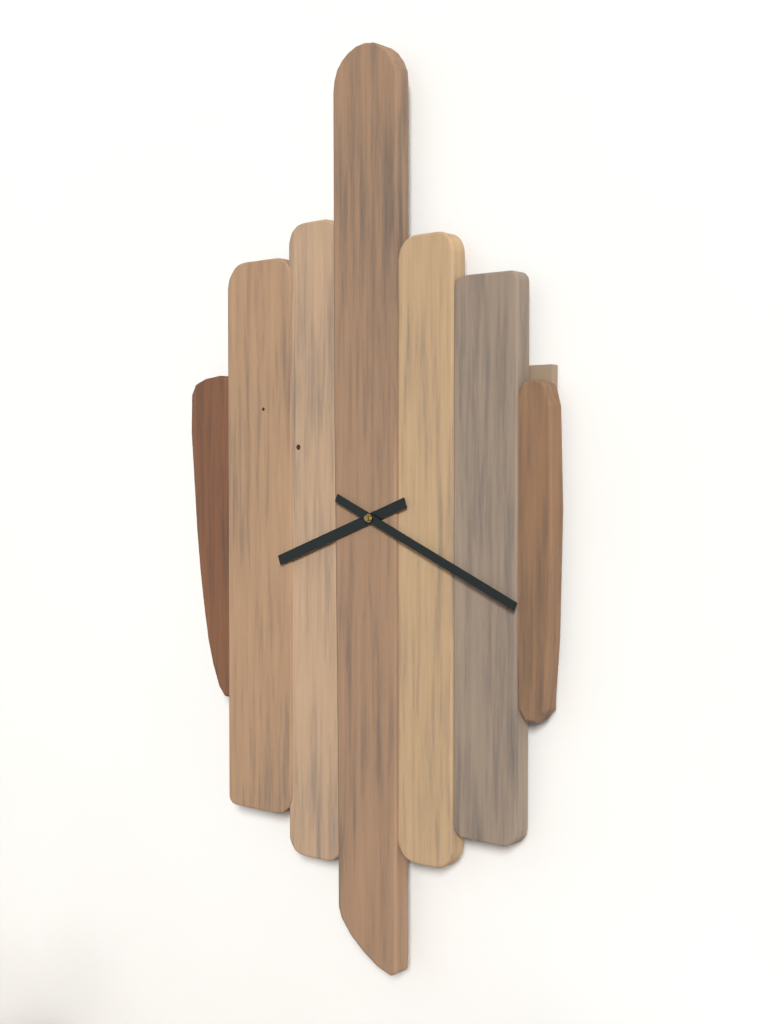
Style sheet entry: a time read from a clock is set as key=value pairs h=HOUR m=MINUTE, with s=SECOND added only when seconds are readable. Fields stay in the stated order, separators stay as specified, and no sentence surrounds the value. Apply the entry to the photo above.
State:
h=8 m=19
